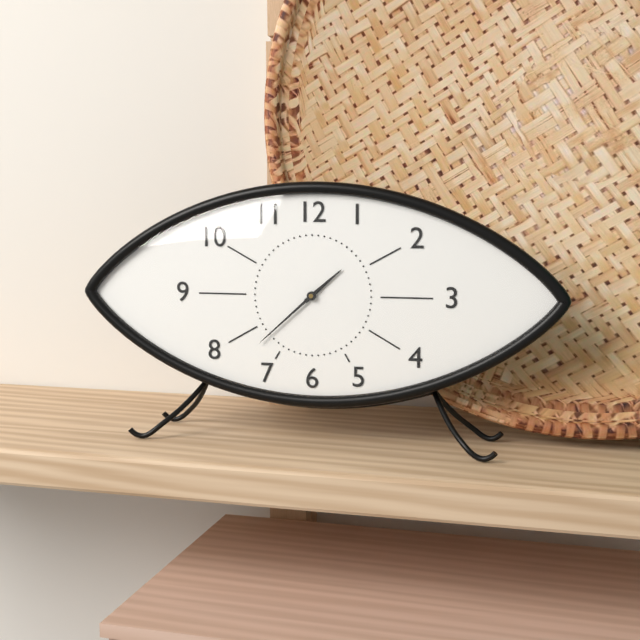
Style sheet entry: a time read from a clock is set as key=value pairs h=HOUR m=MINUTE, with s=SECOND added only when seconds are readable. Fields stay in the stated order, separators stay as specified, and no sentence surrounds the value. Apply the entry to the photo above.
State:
h=1 m=38
